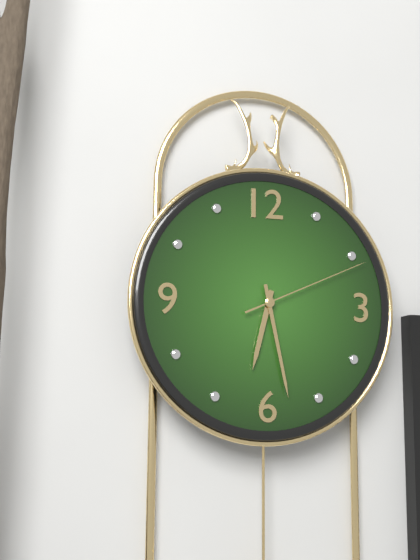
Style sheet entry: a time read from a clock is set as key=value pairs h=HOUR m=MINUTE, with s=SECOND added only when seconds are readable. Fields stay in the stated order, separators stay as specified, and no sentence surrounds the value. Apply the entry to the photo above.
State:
h=6 m=28 s=11
